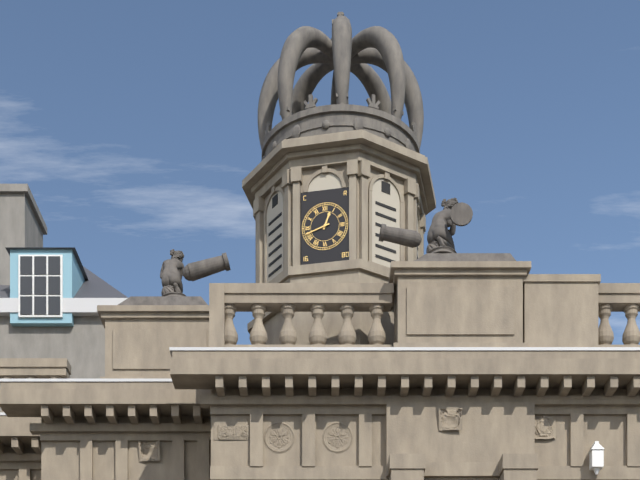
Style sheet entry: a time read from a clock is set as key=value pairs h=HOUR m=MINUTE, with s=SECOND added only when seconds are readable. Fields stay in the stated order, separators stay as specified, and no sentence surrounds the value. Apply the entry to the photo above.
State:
h=12 m=42
